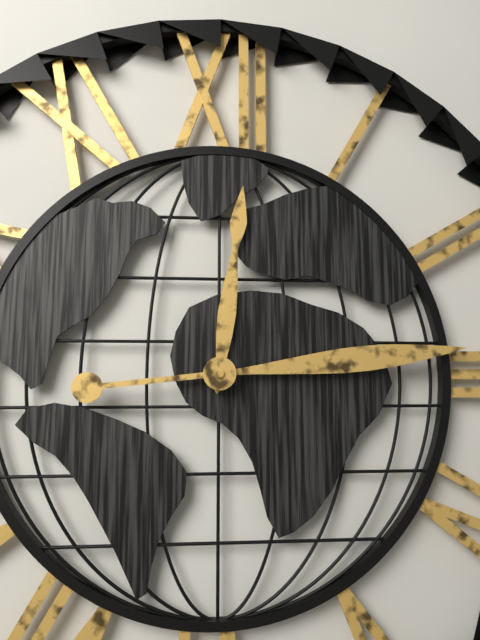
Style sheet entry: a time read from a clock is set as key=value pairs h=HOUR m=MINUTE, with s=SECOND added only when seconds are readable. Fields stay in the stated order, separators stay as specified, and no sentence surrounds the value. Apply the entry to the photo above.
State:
h=12 m=14
